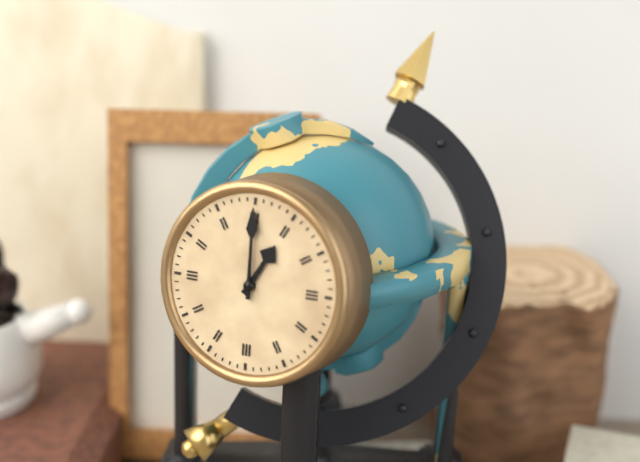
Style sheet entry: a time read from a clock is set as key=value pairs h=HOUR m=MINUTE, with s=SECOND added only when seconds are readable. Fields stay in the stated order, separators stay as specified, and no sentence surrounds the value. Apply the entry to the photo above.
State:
h=1 m=0
